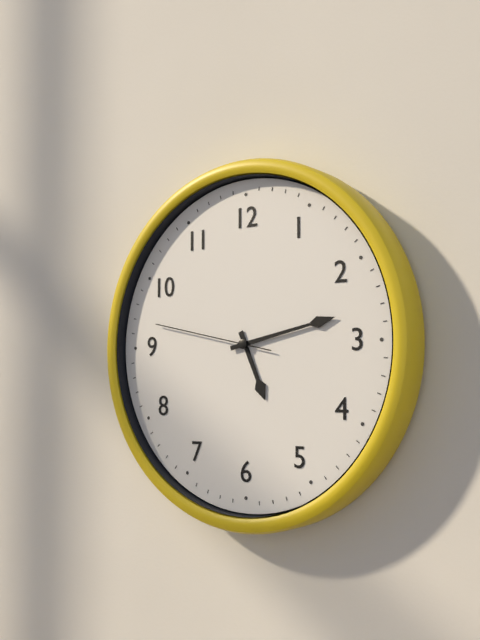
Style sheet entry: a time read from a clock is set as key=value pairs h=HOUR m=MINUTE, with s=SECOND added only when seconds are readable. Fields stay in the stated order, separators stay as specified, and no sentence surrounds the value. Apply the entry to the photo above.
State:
h=5 m=13 s=47
